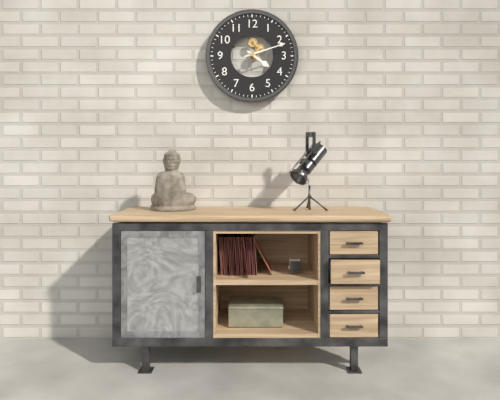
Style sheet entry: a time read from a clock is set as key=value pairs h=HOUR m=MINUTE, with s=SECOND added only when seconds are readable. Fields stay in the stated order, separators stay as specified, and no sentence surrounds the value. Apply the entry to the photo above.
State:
h=4 m=12
